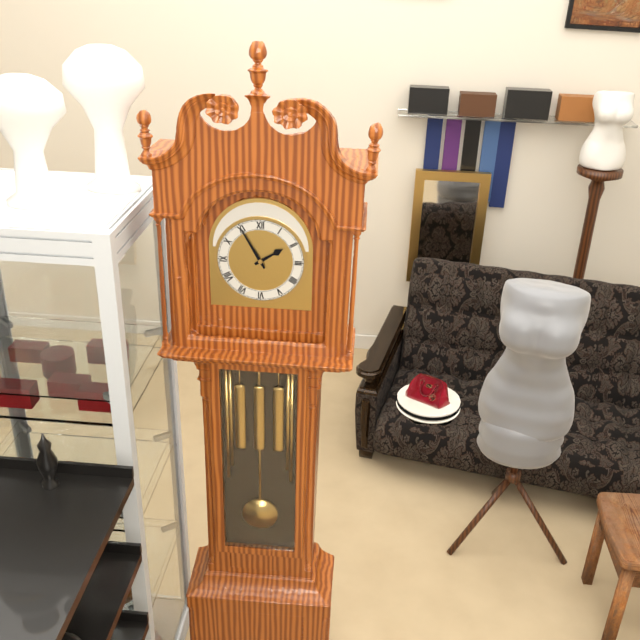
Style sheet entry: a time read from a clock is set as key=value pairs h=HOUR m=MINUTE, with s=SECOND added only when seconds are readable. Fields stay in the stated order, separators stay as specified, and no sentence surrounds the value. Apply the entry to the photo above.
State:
h=1 m=55
